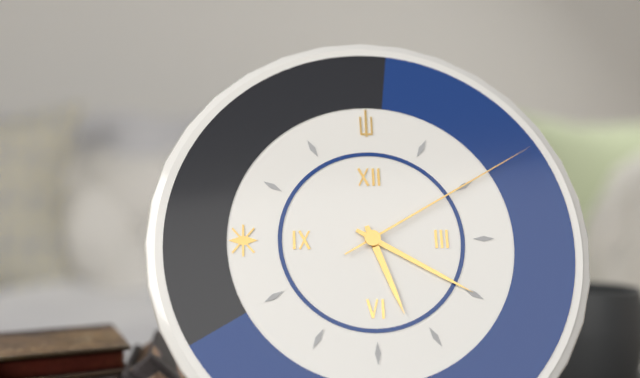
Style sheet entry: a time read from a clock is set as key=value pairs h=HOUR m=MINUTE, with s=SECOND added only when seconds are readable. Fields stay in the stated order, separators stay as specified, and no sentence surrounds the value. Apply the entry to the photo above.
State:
h=5 m=20 s=10
